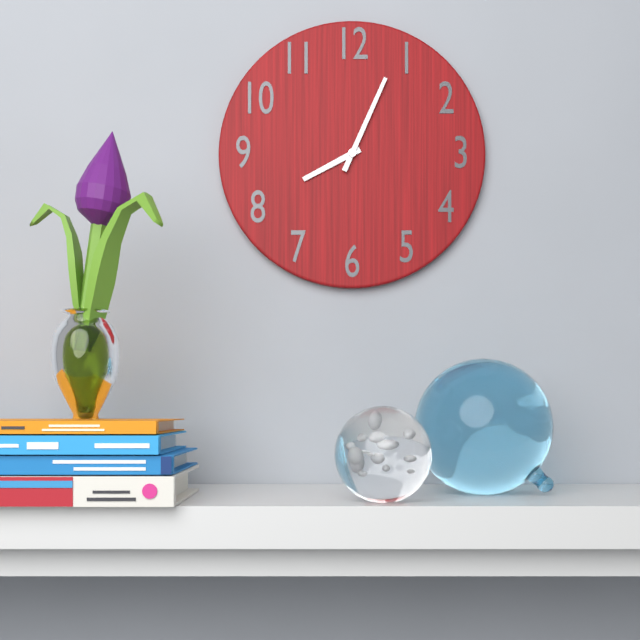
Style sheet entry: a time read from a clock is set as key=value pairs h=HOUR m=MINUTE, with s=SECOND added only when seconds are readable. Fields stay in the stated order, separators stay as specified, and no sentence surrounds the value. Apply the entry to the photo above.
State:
h=8 m=4
